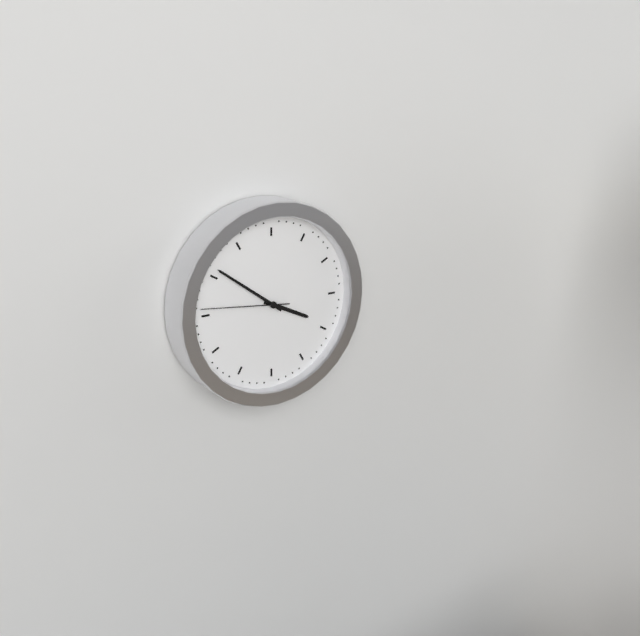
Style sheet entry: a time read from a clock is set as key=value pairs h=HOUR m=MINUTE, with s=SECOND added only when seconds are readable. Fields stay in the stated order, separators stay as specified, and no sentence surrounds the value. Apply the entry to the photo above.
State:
h=3 m=51 s=46
